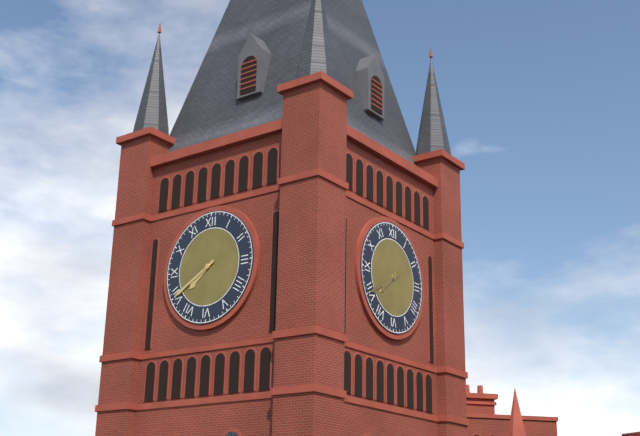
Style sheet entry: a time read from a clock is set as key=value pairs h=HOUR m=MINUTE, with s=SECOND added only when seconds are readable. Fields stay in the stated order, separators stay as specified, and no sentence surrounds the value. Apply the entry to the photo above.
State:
h=7 m=40
